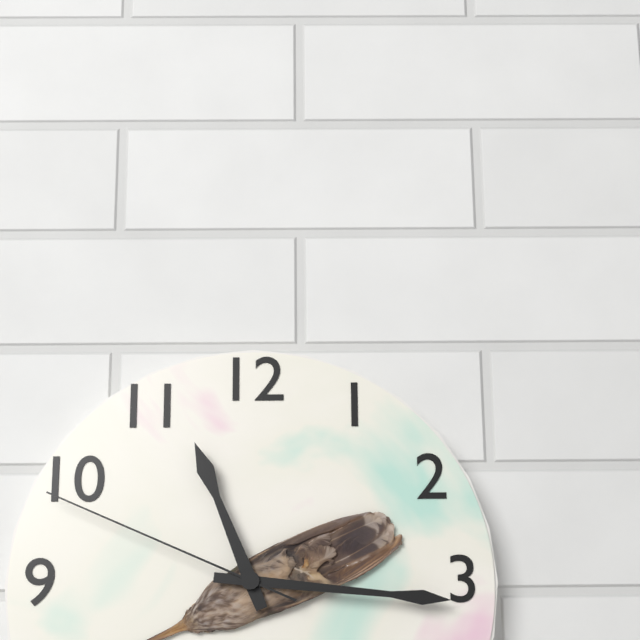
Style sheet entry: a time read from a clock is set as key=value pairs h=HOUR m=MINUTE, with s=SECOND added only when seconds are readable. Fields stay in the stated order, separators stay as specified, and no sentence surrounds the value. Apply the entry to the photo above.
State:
h=11 m=16 s=49
